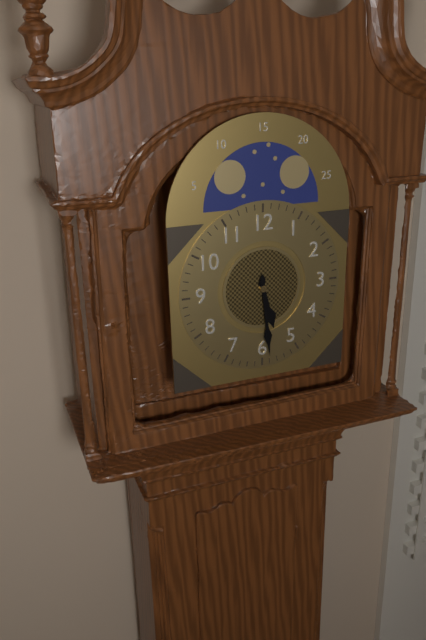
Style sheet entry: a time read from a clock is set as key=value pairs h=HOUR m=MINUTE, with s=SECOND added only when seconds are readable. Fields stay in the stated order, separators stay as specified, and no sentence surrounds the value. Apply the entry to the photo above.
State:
h=5 m=29
